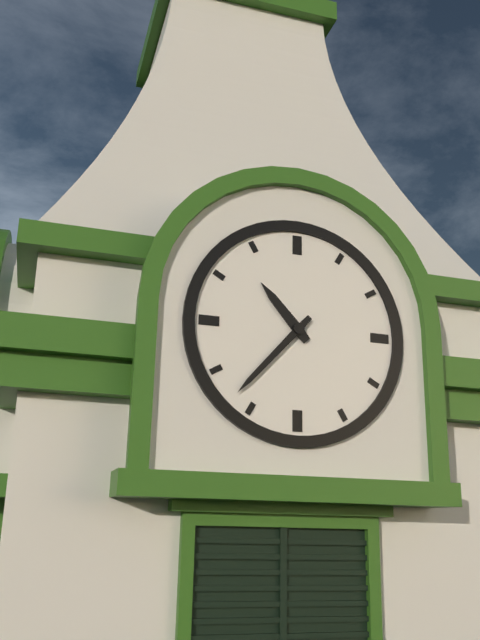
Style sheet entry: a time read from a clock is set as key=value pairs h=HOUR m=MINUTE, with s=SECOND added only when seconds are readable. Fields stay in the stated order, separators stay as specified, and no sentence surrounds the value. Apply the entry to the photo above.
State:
h=10 m=37
